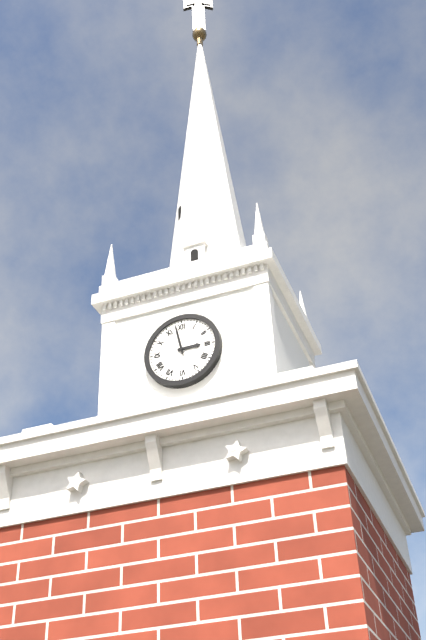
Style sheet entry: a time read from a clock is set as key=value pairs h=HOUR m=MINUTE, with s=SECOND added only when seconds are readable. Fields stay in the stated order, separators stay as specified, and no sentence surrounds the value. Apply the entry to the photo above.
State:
h=2 m=58
